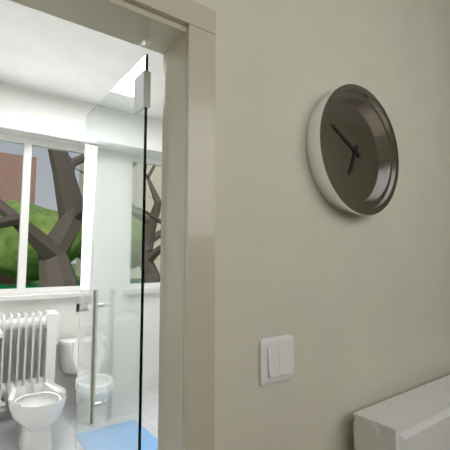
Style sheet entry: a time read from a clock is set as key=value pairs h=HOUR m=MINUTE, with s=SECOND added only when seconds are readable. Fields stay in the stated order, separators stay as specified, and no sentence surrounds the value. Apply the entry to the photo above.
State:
h=6 m=50
